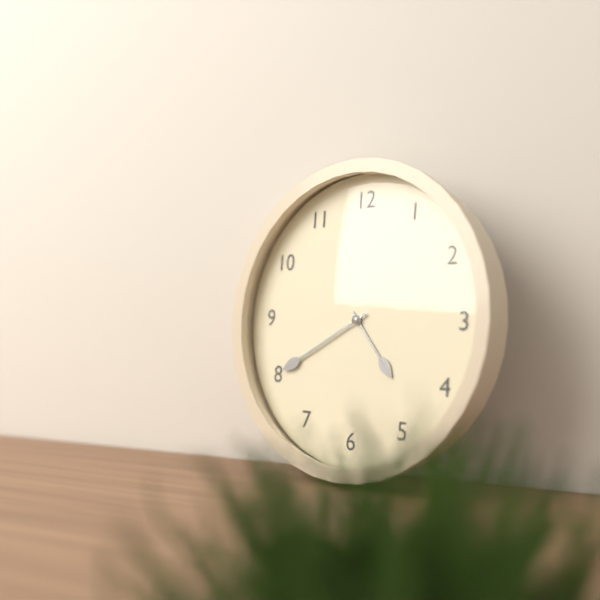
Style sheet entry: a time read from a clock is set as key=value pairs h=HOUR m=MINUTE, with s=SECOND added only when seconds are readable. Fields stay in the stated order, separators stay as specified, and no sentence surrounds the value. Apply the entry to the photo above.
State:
h=4 m=40
